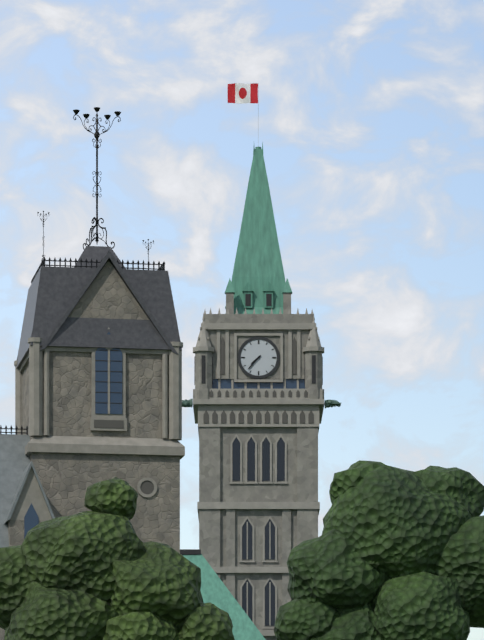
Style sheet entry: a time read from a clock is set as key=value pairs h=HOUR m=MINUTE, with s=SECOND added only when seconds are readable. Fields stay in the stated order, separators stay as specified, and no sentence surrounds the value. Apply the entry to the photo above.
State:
h=7 m=37
